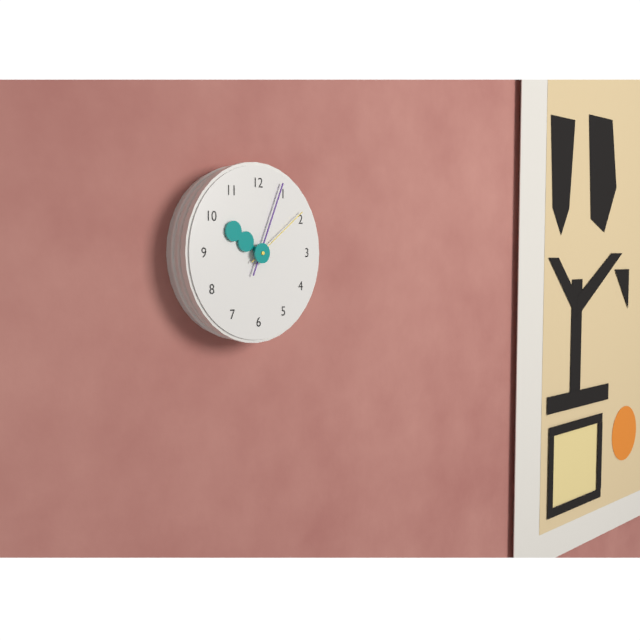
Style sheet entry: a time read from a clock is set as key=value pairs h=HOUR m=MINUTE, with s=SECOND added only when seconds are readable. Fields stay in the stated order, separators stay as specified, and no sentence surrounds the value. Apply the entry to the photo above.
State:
h=10 m=4 s=9
